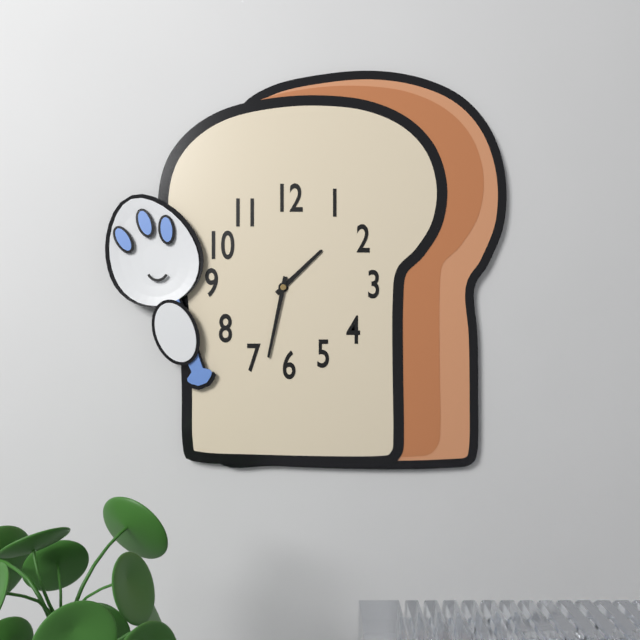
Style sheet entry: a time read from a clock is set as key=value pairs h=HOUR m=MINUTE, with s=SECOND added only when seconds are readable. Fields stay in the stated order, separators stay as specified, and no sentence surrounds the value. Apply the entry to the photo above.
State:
h=1 m=32
